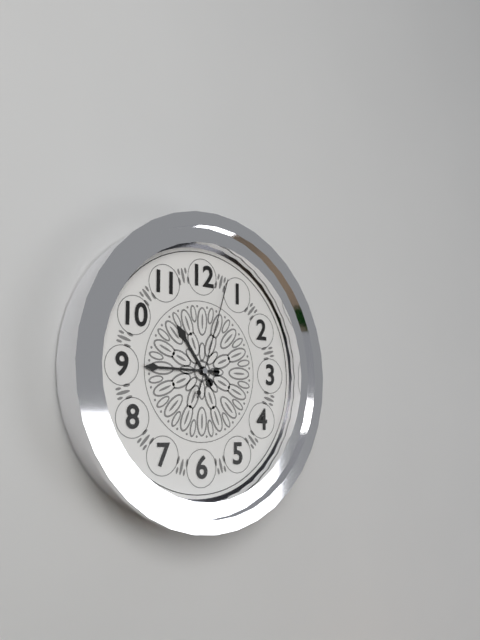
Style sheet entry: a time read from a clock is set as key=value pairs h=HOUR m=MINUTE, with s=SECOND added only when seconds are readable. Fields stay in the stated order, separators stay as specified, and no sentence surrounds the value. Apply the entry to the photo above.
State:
h=10 m=45 s=3
